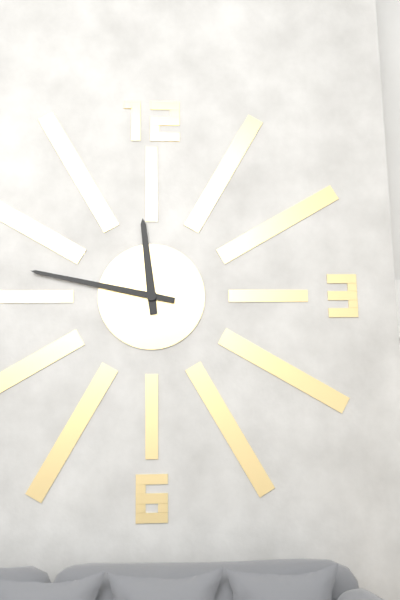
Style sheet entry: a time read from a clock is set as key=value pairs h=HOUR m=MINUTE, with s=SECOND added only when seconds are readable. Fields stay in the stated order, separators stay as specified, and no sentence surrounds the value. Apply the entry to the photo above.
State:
h=11 m=47
